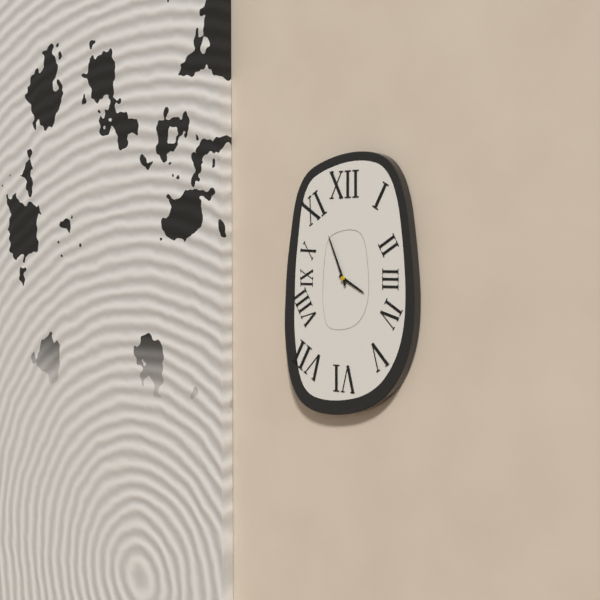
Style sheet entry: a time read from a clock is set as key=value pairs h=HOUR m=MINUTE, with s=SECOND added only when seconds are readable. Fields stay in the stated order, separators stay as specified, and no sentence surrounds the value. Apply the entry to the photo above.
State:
h=3 m=56
